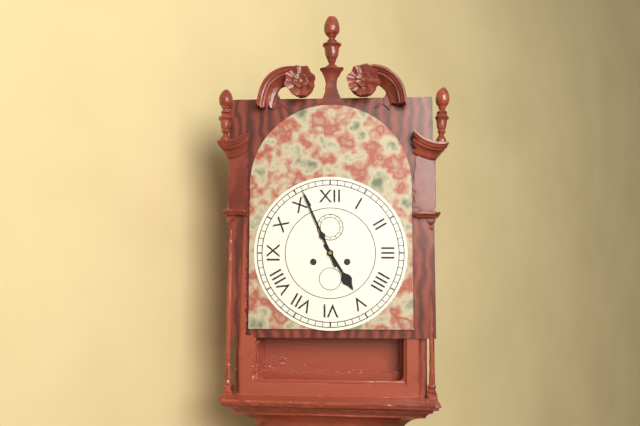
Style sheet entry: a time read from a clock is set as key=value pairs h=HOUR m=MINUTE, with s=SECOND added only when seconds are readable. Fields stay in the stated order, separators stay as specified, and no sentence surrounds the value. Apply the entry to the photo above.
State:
h=4 m=56
